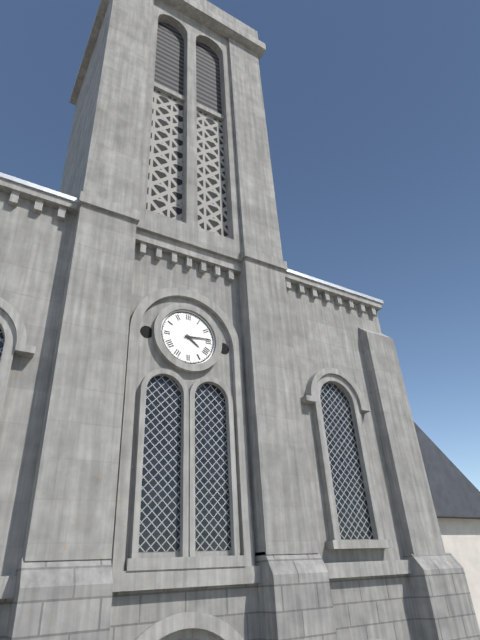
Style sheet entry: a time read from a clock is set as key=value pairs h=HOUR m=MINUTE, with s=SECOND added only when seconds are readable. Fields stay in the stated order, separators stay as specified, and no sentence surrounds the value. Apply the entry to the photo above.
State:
h=4 m=14
